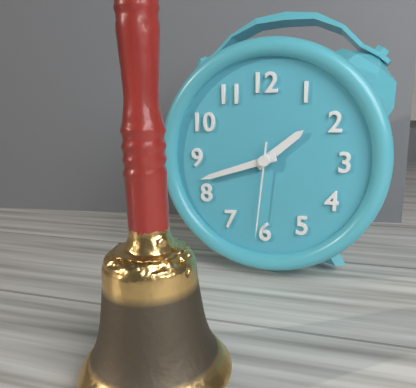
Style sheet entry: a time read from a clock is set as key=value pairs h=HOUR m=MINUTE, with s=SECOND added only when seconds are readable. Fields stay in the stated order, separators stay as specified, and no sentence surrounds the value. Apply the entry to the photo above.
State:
h=1 m=42 s=31
